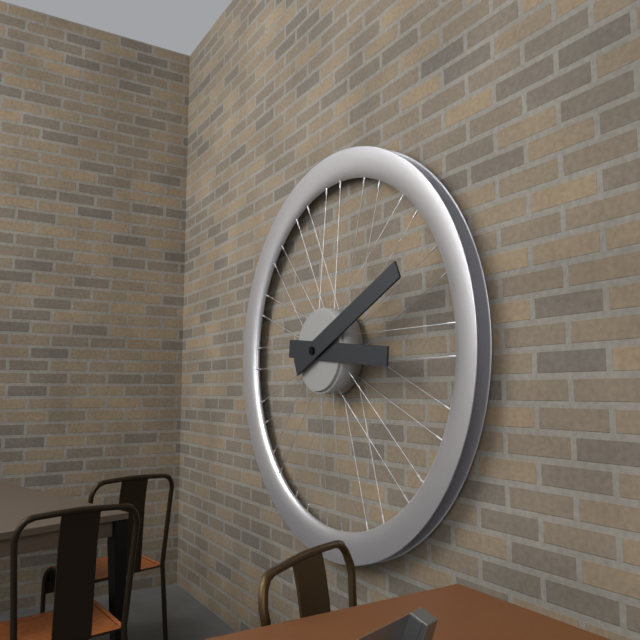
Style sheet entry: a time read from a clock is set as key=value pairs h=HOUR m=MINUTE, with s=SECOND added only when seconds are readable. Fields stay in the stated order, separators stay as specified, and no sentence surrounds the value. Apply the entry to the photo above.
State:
h=3 m=11
